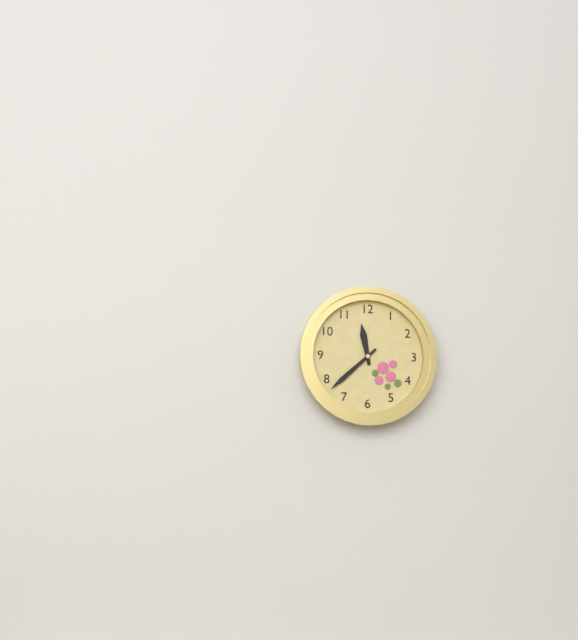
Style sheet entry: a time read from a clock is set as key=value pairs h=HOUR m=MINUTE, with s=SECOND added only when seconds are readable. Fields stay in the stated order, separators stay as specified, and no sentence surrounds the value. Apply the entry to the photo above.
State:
h=11 m=38
